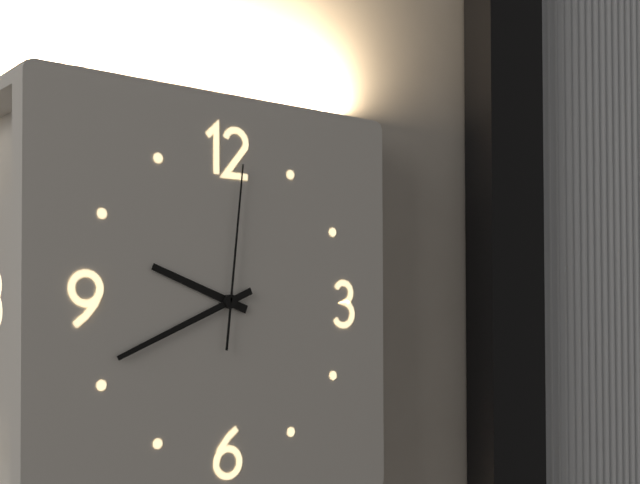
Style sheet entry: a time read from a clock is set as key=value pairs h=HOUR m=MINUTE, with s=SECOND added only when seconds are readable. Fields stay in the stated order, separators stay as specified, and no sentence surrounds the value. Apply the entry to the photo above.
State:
h=9 m=41 s=1
